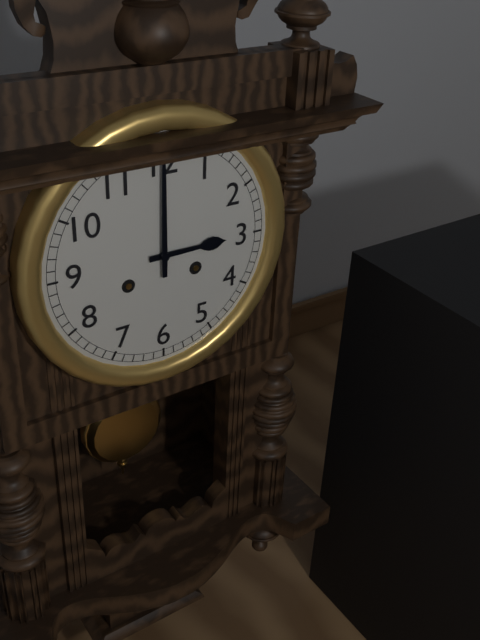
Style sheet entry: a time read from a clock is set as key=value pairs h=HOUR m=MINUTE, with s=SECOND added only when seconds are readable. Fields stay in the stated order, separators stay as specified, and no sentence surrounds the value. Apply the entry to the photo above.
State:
h=3 m=0
